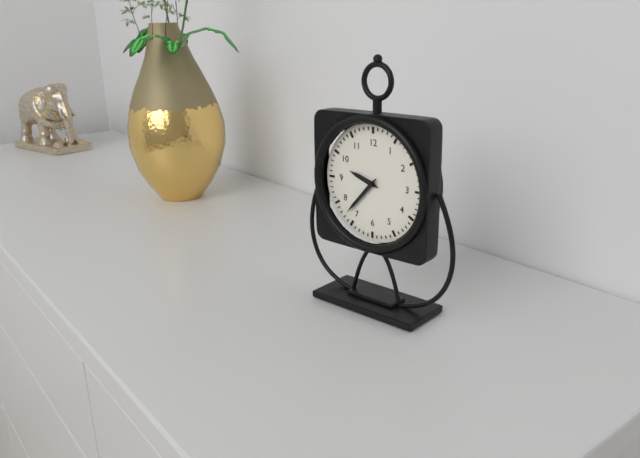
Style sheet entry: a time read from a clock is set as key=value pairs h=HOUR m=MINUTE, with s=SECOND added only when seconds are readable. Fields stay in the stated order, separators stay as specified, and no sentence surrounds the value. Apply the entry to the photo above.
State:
h=9 m=37
